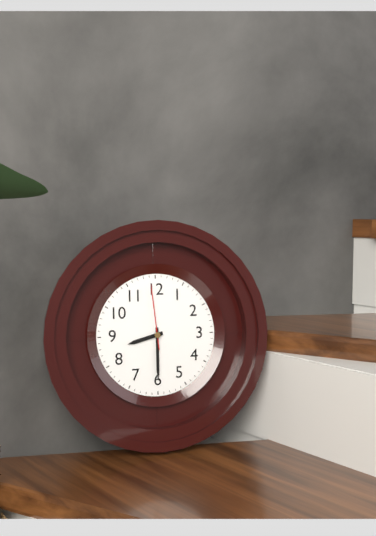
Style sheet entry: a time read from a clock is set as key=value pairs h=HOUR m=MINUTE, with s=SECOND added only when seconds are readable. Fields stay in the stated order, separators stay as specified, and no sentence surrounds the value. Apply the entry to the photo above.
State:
h=8 m=30 s=59
